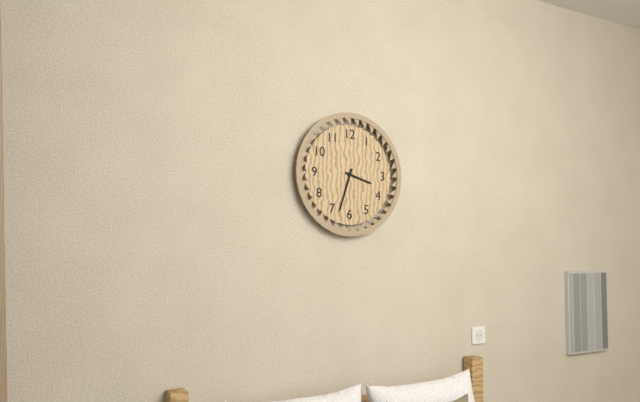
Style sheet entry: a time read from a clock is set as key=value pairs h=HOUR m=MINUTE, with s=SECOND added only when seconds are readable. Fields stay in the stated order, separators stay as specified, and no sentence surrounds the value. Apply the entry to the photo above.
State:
h=3 m=33
